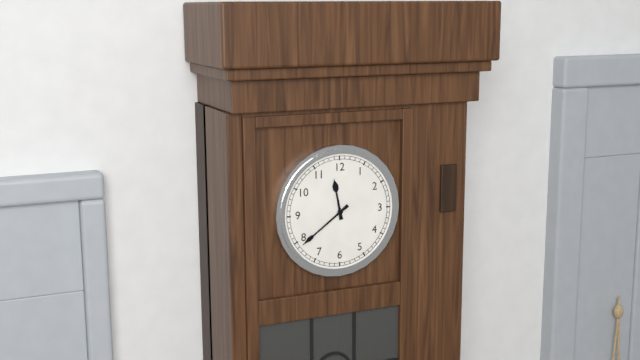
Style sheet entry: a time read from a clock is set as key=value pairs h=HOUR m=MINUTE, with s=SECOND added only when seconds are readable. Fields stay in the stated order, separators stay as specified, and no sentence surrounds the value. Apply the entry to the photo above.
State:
h=11 m=39
